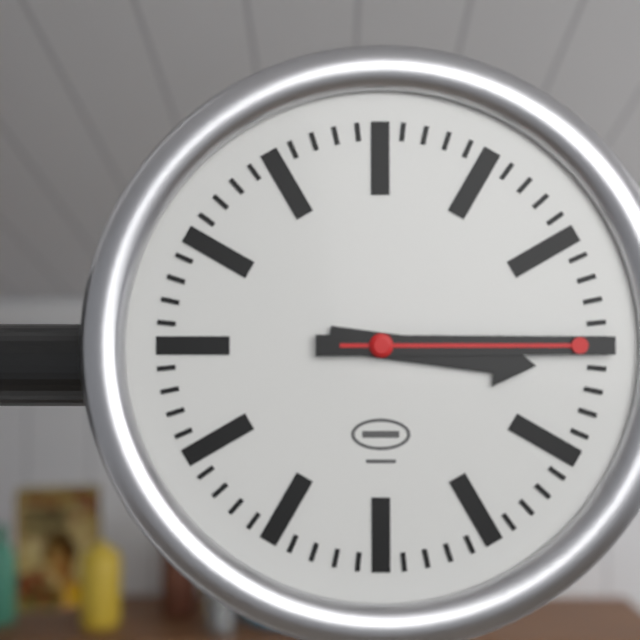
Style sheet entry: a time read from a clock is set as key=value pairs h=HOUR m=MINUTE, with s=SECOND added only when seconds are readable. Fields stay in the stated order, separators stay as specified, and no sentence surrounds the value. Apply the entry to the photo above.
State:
h=3 m=15 s=15
